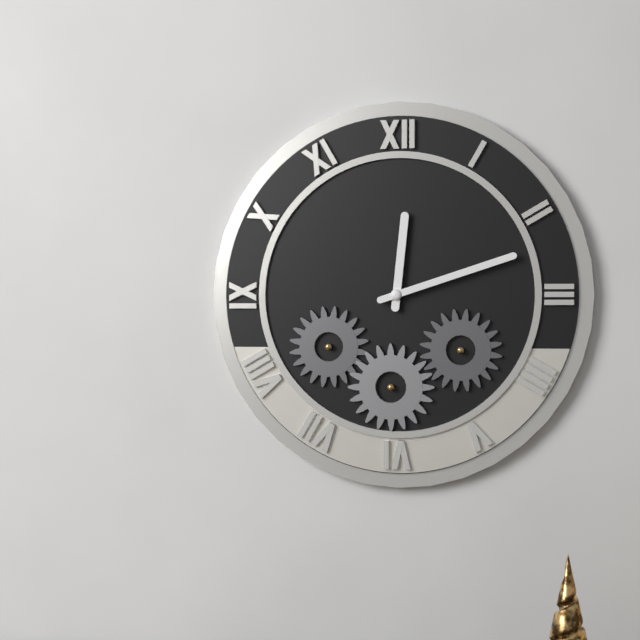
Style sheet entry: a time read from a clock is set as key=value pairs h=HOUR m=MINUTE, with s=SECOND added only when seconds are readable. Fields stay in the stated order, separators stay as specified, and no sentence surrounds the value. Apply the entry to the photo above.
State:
h=12 m=12
